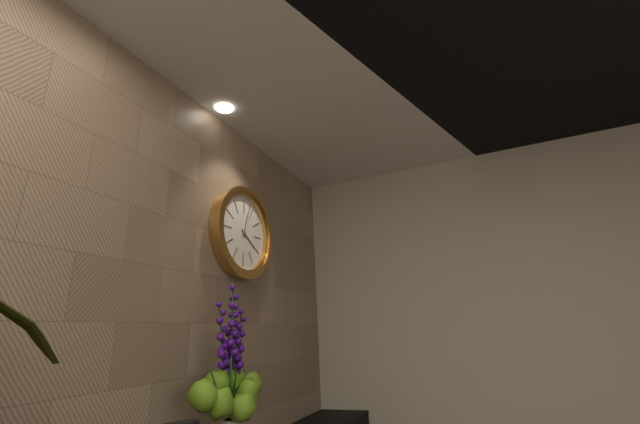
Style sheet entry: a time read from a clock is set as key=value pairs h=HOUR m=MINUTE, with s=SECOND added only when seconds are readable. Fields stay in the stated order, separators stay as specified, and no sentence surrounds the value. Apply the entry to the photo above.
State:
h=4 m=3
